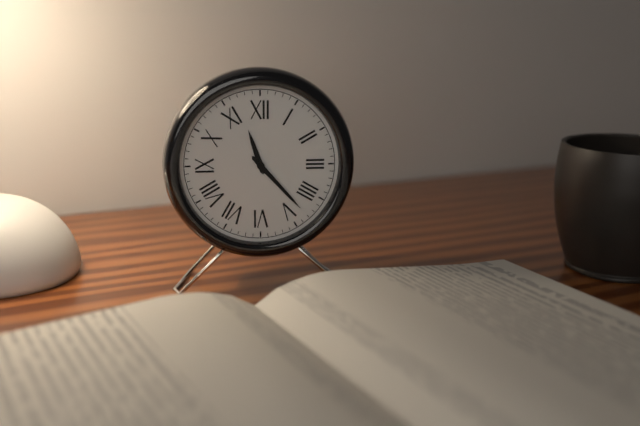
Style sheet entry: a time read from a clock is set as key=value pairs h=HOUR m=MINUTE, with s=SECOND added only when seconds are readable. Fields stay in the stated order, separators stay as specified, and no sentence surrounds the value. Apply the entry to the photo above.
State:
h=11 m=23
